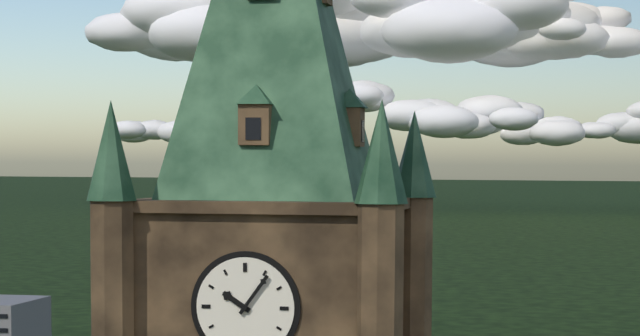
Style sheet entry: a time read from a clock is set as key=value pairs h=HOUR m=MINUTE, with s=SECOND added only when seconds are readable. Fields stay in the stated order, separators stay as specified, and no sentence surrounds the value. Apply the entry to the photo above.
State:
h=10 m=6
